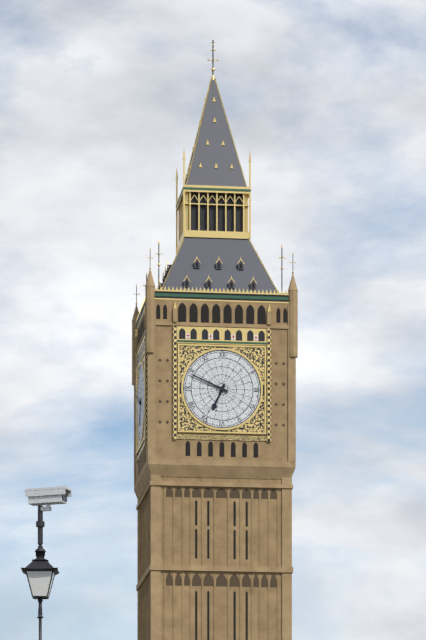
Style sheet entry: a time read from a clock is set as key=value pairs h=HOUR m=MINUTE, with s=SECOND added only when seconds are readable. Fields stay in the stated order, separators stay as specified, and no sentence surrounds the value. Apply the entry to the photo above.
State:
h=6 m=49
